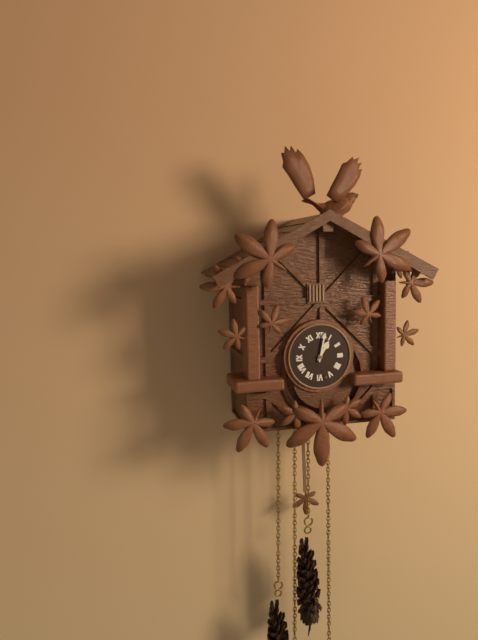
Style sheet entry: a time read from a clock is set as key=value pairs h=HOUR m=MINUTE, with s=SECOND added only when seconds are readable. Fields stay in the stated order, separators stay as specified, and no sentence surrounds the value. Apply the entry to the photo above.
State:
h=1 m=2
